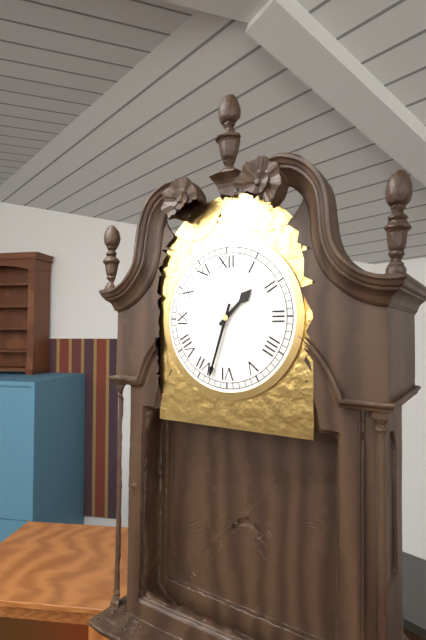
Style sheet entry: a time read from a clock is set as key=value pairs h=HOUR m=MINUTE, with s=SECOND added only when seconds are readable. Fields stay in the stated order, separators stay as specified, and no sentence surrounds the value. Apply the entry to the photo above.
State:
h=1 m=33
